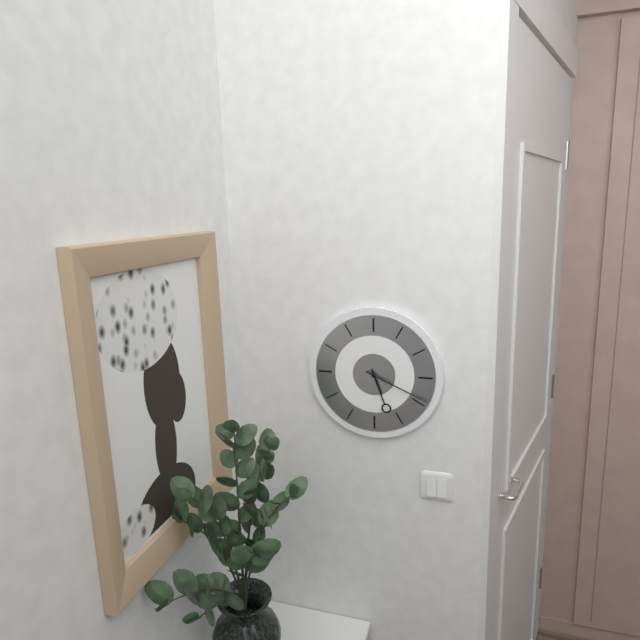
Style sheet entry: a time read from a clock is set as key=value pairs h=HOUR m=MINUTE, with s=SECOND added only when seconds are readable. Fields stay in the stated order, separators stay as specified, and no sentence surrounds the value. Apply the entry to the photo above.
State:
h=5 m=19
